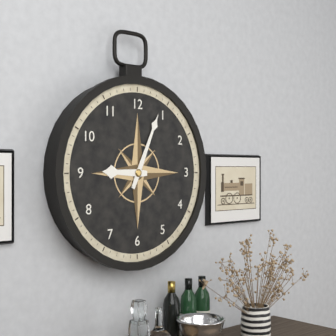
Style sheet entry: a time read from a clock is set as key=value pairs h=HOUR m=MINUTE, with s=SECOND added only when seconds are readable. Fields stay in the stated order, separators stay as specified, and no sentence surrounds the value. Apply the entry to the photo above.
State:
h=9 m=4
